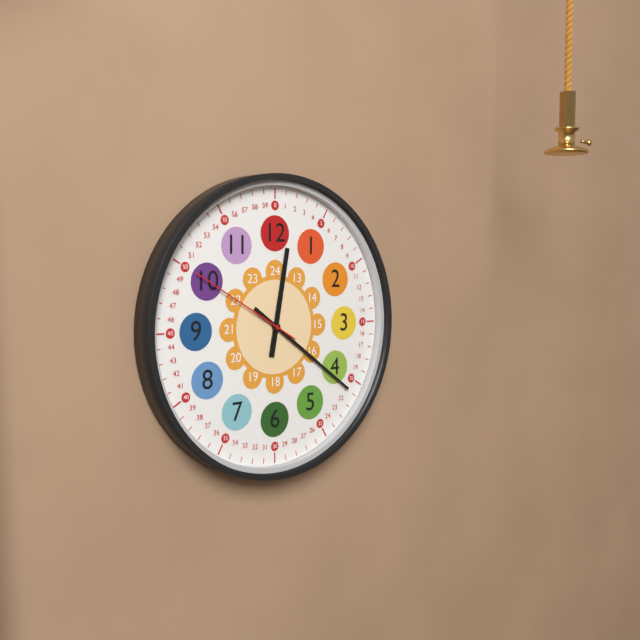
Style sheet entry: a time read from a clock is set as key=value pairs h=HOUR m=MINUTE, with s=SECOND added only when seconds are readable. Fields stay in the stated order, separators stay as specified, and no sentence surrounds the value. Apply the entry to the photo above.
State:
h=12 m=21 s=50
